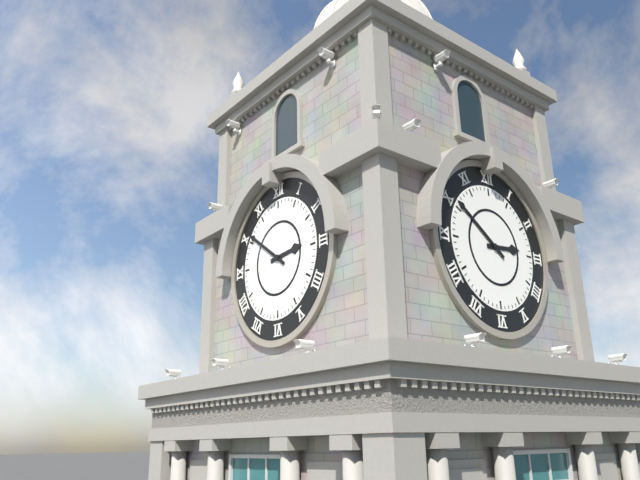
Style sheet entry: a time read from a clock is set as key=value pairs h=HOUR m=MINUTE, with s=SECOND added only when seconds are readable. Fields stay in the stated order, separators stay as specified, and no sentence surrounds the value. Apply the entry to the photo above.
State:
h=2 m=51
